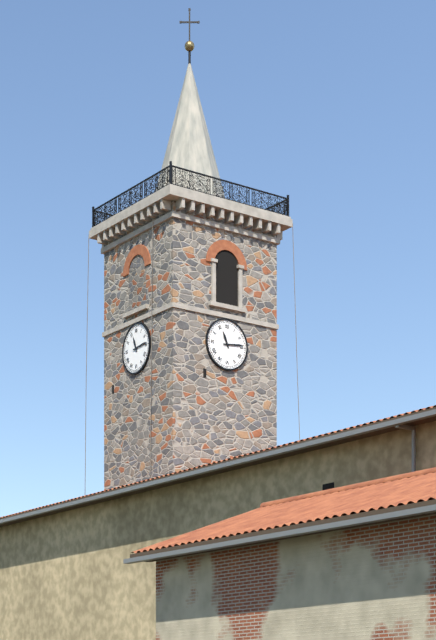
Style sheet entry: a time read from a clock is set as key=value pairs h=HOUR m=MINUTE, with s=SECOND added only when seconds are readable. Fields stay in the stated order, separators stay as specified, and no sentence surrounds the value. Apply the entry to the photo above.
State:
h=11 m=14
